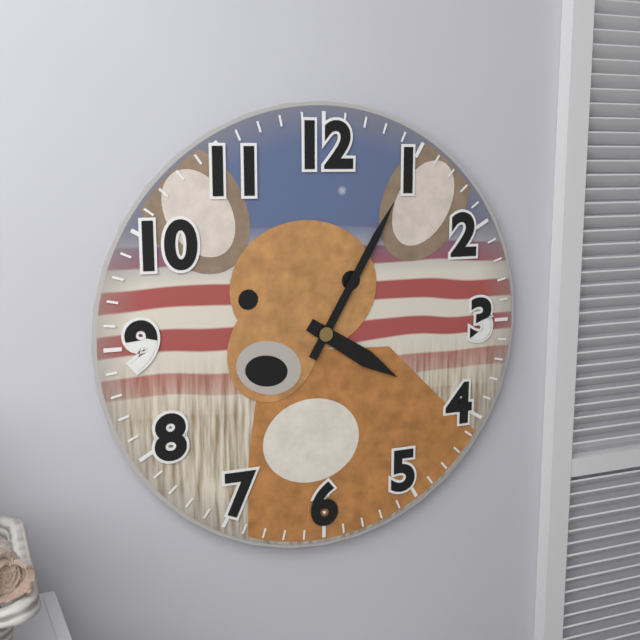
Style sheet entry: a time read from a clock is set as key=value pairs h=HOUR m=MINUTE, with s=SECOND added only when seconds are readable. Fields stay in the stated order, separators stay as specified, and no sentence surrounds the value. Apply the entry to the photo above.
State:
h=4 m=5
